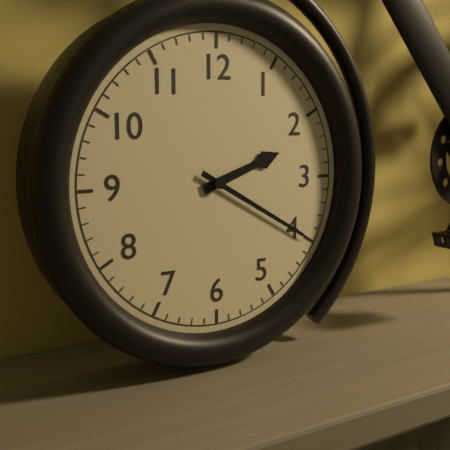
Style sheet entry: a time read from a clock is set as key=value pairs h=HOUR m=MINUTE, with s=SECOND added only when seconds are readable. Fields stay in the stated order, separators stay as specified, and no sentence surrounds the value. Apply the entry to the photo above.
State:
h=2 m=20
